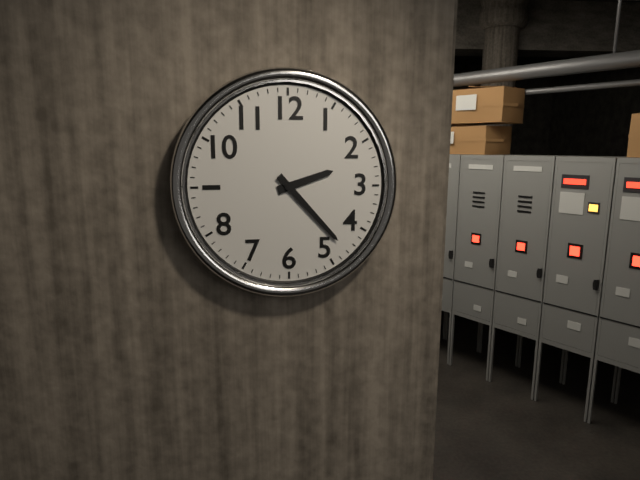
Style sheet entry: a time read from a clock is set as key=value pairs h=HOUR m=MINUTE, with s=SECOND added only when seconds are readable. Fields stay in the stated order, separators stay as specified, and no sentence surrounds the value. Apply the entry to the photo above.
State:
h=2 m=23
